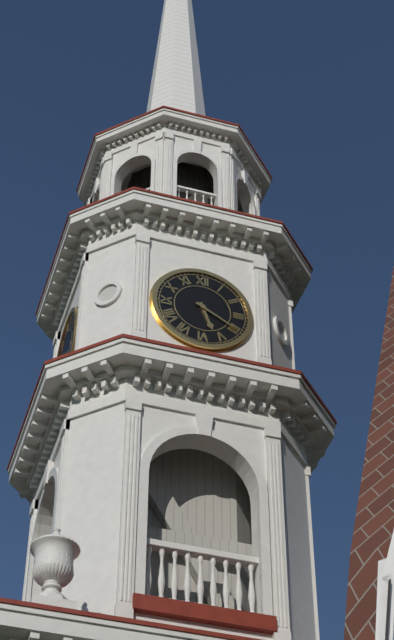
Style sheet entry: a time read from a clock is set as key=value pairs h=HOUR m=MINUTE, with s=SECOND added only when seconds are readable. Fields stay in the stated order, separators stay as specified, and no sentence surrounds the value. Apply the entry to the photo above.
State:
h=5 m=20
